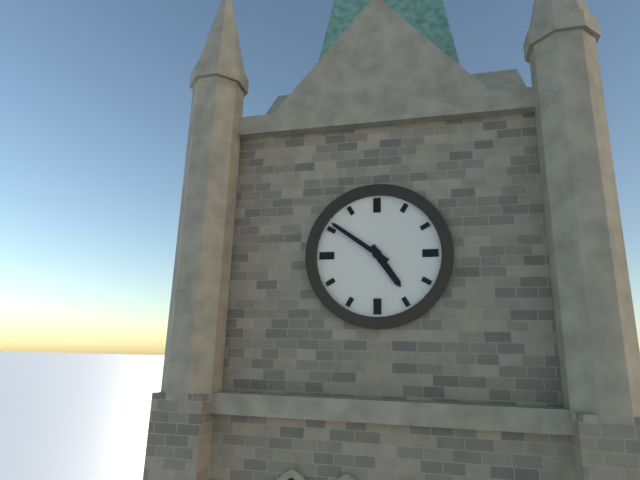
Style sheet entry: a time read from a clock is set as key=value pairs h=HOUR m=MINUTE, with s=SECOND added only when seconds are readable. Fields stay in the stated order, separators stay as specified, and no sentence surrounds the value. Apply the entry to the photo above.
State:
h=4 m=51
